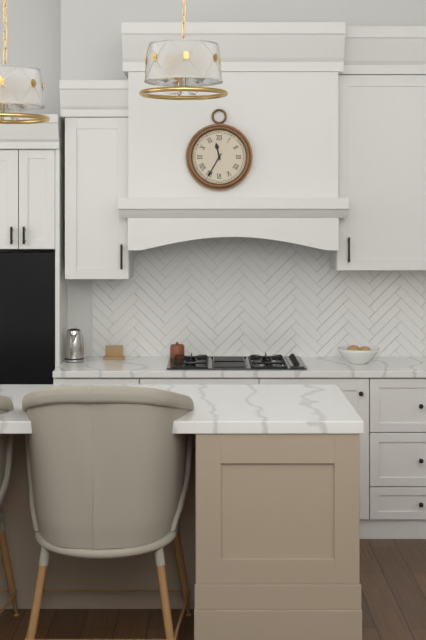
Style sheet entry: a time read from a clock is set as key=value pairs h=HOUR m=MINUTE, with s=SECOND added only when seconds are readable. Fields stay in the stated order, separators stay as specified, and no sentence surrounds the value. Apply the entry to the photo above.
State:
h=11 m=35
